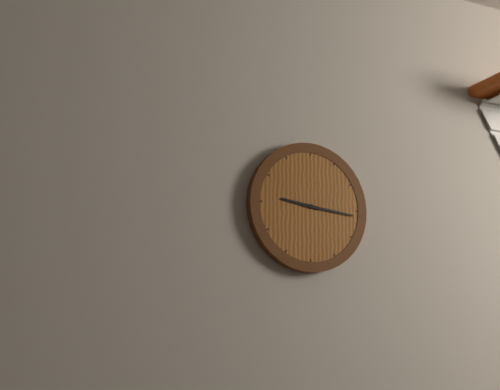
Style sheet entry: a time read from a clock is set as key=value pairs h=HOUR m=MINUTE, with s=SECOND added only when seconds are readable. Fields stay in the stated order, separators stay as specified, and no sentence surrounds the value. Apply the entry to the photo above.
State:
h=9 m=16
